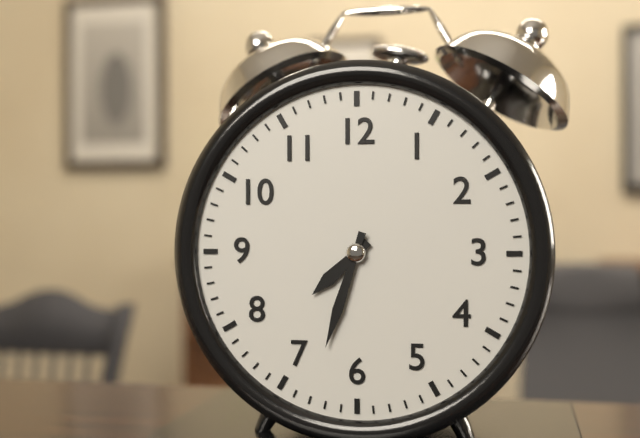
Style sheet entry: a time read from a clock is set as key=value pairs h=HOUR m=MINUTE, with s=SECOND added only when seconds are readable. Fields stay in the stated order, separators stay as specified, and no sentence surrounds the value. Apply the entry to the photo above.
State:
h=7 m=33
